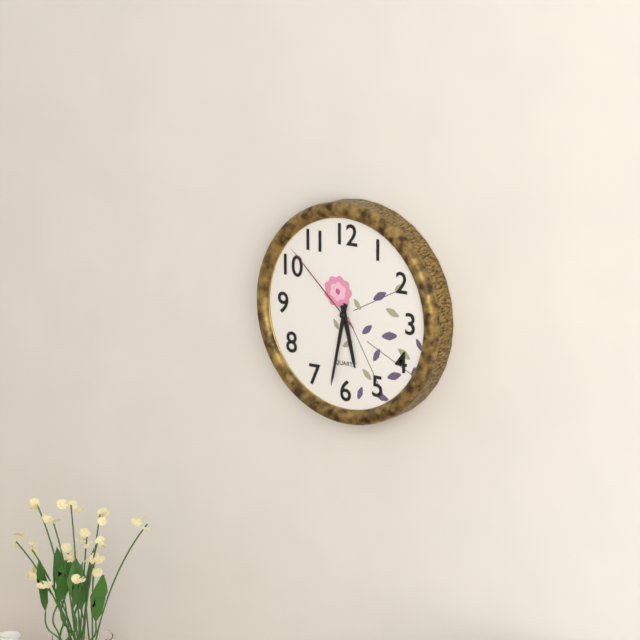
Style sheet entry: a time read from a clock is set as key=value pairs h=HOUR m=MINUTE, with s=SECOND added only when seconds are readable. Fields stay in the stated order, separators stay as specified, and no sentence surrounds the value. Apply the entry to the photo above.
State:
h=5 m=32 s=52
